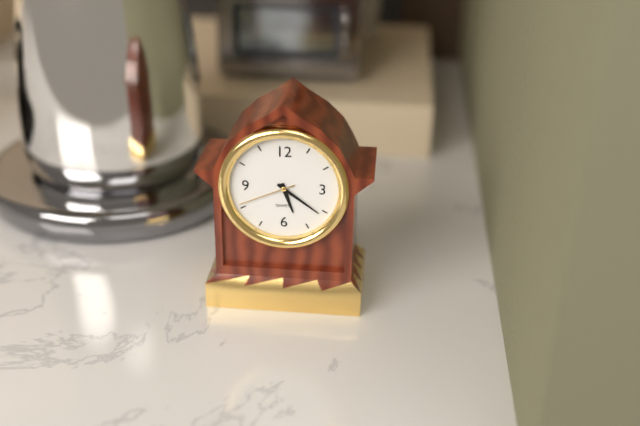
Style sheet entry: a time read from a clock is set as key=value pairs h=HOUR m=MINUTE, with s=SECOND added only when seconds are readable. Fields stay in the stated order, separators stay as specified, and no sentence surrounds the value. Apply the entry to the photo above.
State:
h=5 m=21 s=41
